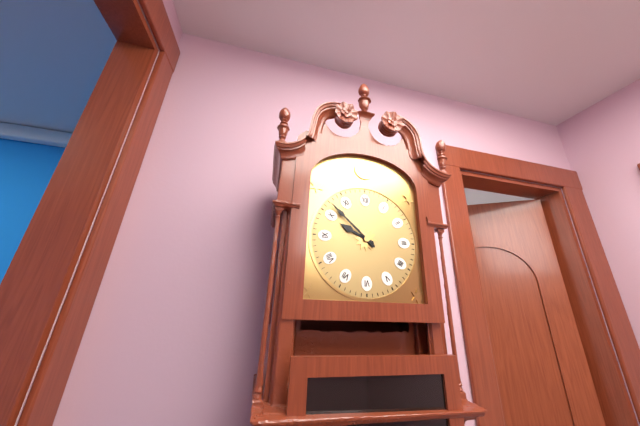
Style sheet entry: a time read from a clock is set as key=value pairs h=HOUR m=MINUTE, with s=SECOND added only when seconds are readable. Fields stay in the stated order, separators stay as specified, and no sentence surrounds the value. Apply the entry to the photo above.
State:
h=9 m=52
